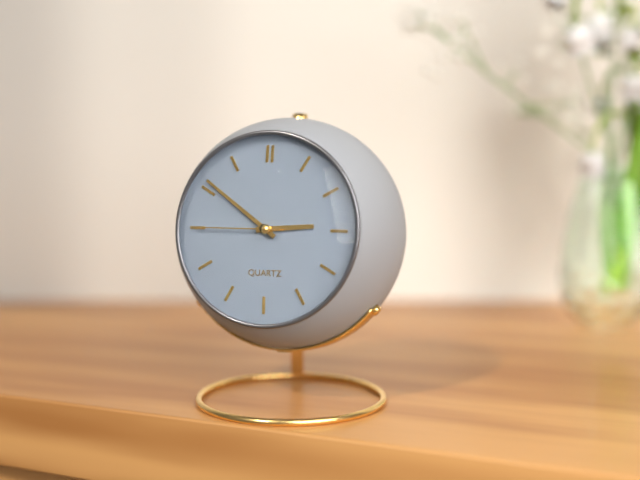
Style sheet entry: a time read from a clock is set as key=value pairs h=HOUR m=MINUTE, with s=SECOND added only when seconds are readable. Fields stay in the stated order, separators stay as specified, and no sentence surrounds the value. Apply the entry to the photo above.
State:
h=2 m=51 s=45
